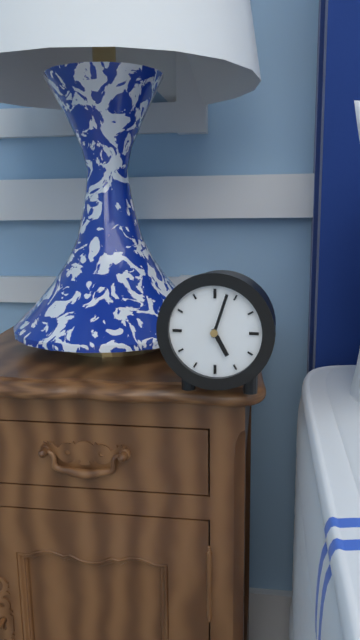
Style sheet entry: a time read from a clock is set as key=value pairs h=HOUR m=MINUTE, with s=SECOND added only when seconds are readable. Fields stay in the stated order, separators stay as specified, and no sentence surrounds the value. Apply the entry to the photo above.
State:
h=5 m=3
